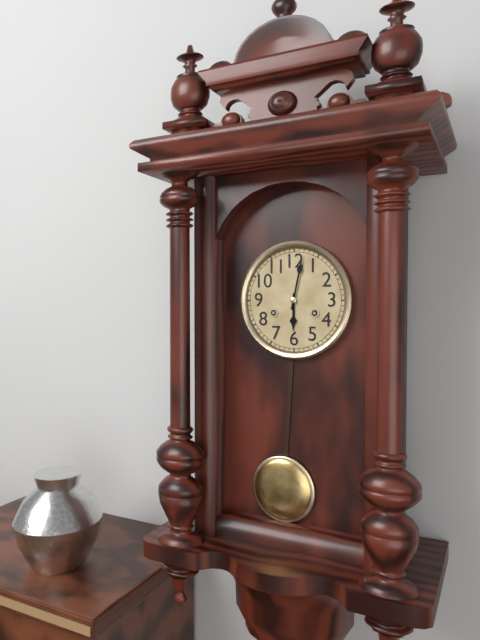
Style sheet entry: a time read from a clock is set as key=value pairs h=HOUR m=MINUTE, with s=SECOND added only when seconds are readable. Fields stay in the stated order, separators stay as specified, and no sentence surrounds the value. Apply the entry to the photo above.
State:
h=6 m=2
